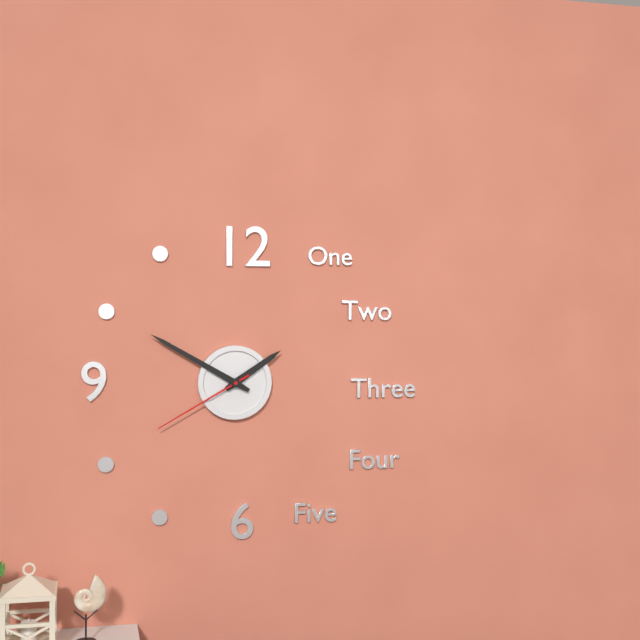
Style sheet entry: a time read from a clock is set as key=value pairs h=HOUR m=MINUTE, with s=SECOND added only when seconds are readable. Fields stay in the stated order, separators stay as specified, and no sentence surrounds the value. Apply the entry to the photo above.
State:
h=1 m=50 s=40
